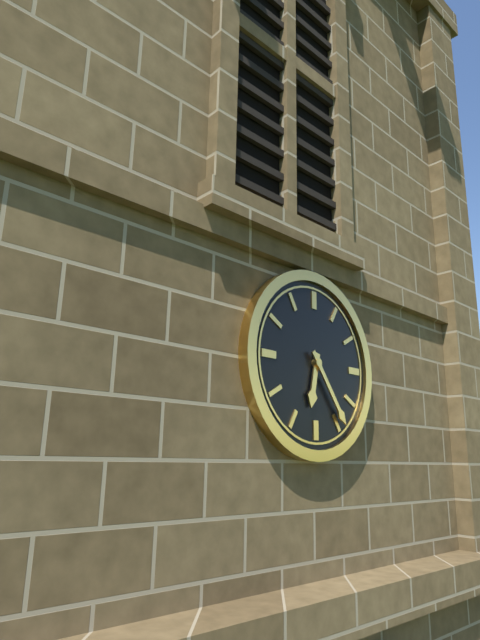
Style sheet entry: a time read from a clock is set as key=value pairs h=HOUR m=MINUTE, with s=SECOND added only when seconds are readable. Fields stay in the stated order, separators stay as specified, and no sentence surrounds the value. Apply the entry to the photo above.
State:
h=6 m=24
